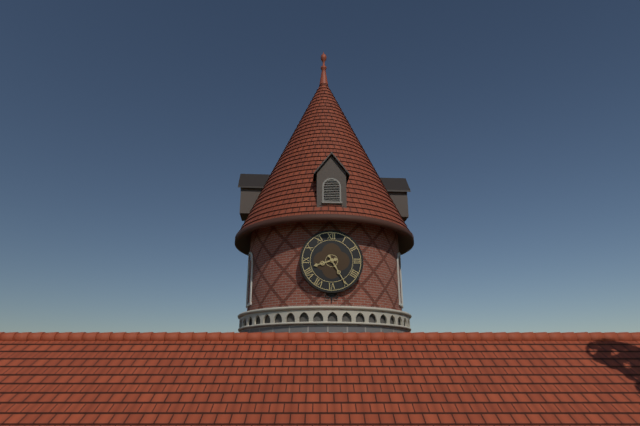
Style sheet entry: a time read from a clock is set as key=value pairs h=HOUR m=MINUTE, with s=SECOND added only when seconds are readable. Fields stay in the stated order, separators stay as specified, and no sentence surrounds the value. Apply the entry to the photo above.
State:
h=8 m=25
